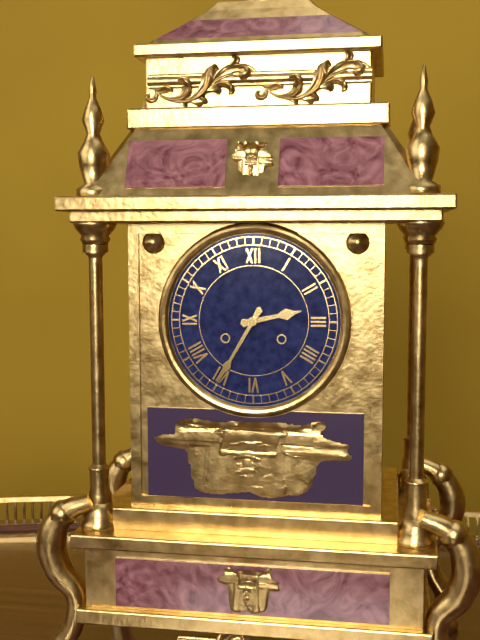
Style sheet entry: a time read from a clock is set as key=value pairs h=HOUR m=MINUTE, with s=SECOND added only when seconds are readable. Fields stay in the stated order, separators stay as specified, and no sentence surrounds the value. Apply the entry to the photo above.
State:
h=2 m=35
